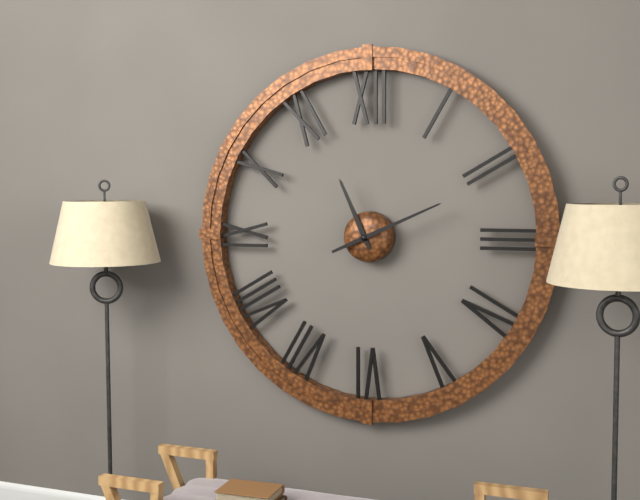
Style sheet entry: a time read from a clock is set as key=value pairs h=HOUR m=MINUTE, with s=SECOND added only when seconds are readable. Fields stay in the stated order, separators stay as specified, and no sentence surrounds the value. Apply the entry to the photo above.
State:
h=11 m=11
